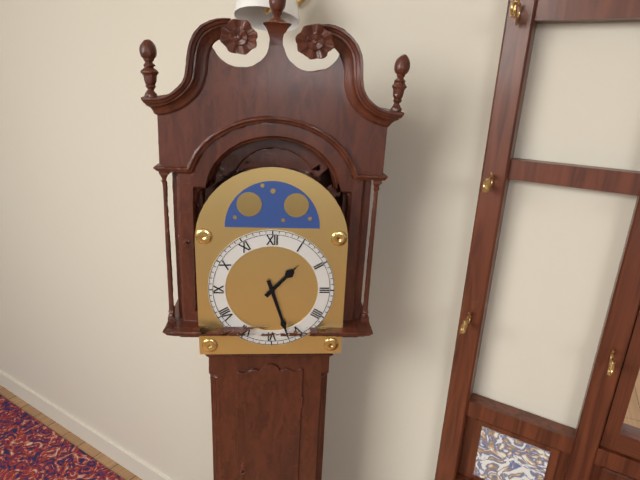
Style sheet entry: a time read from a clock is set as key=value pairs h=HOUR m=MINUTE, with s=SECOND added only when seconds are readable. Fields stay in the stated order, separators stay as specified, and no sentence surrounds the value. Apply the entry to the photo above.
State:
h=1 m=27
